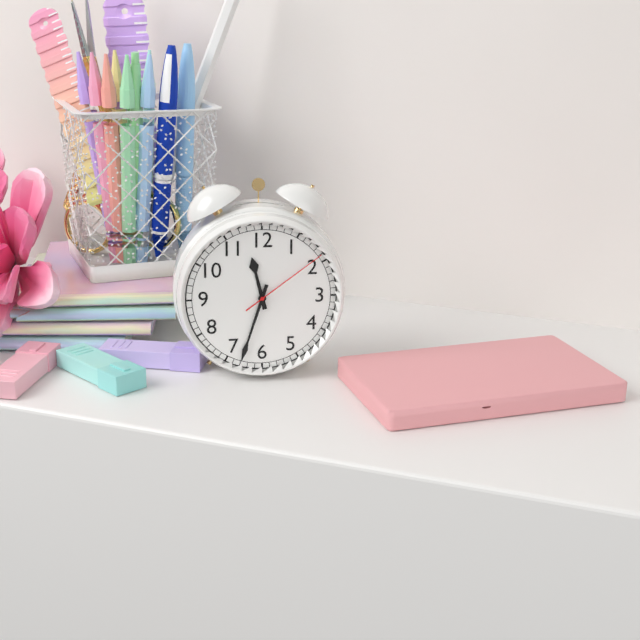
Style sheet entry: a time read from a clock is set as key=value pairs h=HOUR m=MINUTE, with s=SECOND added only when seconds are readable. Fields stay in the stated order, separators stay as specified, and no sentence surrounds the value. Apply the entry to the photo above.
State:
h=11 m=33 s=9
